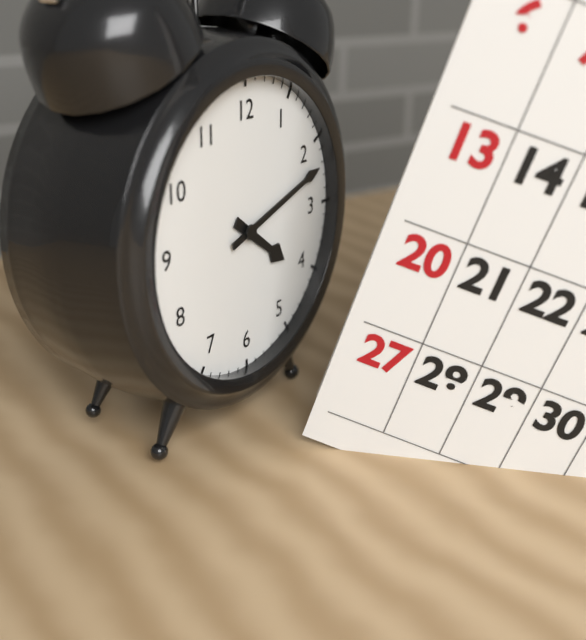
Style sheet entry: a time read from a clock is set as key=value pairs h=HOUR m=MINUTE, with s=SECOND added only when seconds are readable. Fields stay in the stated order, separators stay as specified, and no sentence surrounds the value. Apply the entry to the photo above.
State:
h=4 m=12
